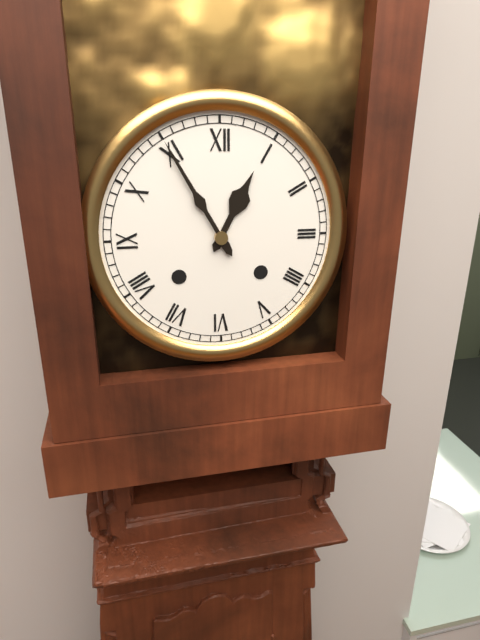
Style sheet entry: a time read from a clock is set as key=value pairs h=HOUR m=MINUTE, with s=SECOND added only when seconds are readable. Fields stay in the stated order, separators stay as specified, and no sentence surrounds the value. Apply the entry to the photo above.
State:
h=12 m=55
